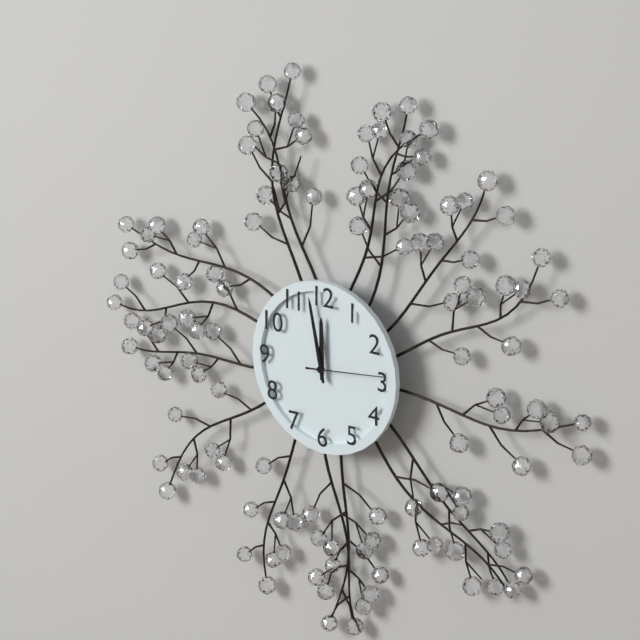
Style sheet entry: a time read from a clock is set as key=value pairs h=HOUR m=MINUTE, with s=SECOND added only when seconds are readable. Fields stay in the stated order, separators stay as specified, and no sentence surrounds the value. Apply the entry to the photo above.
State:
h=11 m=58 s=14
